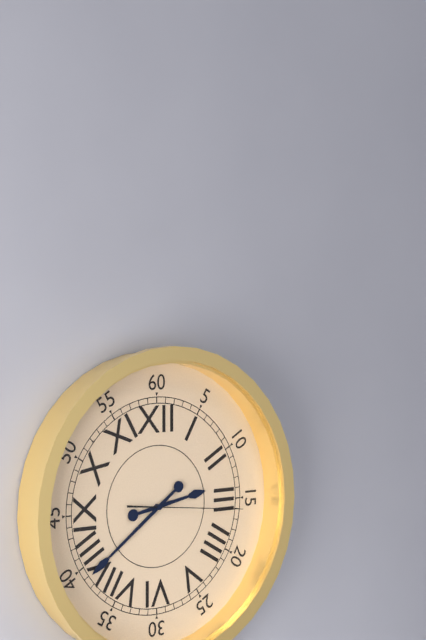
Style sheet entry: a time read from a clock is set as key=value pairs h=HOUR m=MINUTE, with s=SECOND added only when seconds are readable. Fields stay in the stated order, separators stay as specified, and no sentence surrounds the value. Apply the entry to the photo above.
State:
h=2 m=39 s=16
